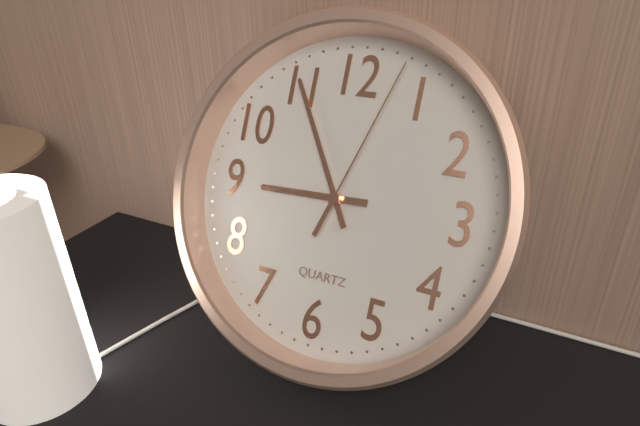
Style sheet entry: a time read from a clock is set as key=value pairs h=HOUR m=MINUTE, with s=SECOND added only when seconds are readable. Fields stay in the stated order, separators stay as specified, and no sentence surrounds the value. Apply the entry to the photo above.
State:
h=8 m=55 s=3
